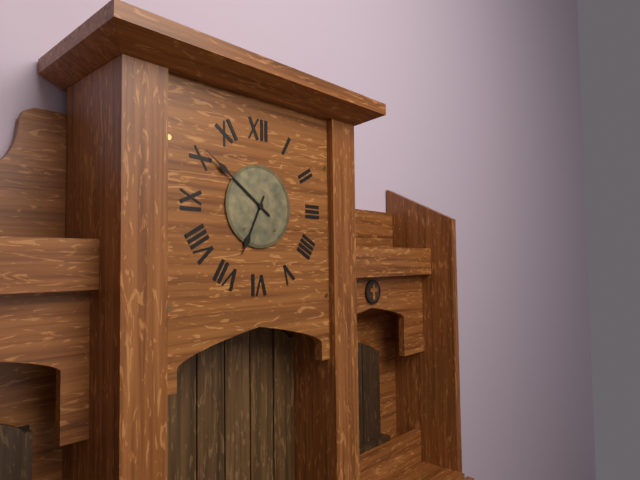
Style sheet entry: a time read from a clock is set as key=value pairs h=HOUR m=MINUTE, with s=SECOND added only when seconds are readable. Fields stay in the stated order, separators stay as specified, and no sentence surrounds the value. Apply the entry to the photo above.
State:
h=6 m=51
